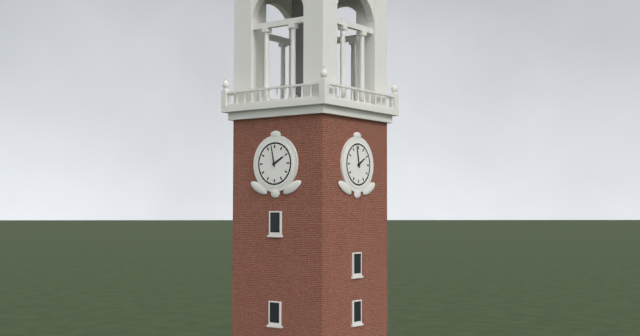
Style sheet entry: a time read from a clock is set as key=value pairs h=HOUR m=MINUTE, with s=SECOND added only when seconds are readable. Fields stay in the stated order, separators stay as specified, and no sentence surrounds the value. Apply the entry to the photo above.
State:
h=1 m=58
